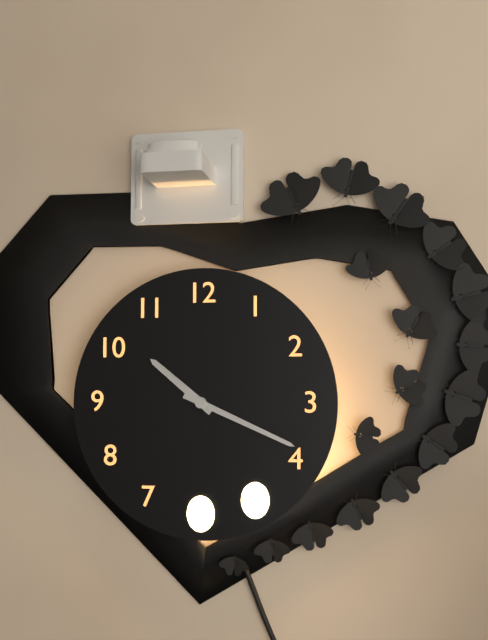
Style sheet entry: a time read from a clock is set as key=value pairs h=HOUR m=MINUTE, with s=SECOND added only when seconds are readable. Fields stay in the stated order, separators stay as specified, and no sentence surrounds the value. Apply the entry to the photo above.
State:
h=10 m=19
